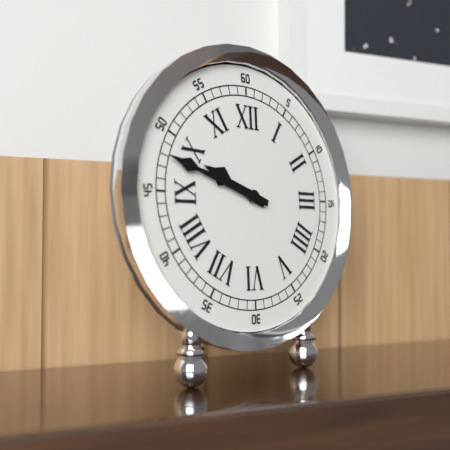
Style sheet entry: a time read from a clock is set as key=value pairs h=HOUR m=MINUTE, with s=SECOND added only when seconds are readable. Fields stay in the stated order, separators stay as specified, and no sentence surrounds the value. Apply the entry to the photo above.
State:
h=9 m=48
